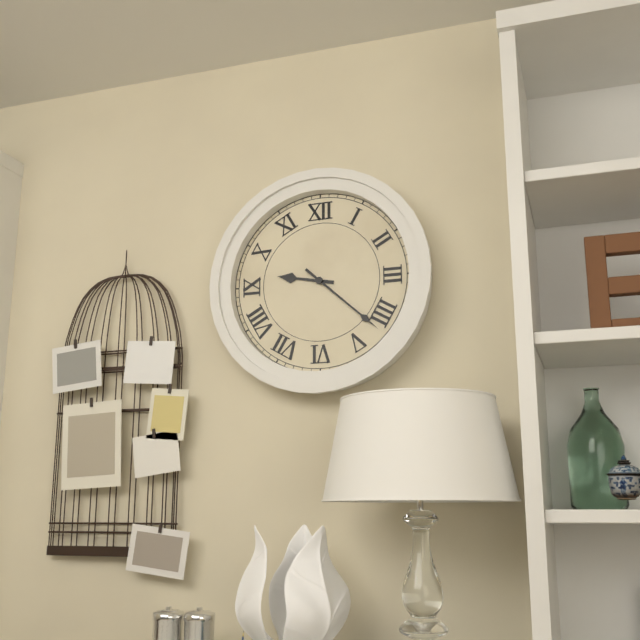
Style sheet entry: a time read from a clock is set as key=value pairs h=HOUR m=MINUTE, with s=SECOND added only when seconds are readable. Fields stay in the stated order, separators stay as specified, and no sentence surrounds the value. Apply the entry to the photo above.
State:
h=9 m=22
